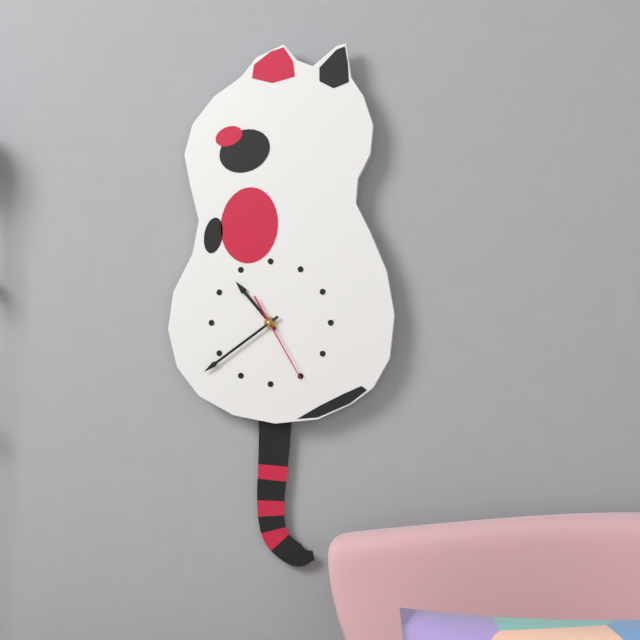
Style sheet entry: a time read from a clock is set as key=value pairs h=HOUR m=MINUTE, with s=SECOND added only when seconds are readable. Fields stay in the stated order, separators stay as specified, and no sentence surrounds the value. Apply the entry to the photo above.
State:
h=10 m=39 s=25
